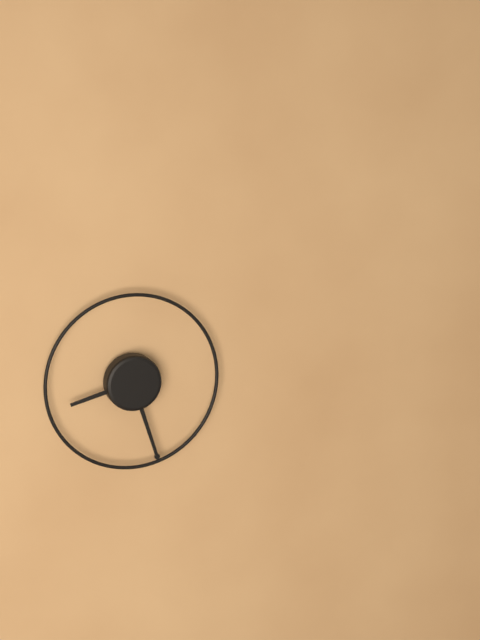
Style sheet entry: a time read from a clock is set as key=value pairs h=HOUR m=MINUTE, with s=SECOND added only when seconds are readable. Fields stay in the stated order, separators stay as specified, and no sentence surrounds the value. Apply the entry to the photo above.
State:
h=8 m=27
